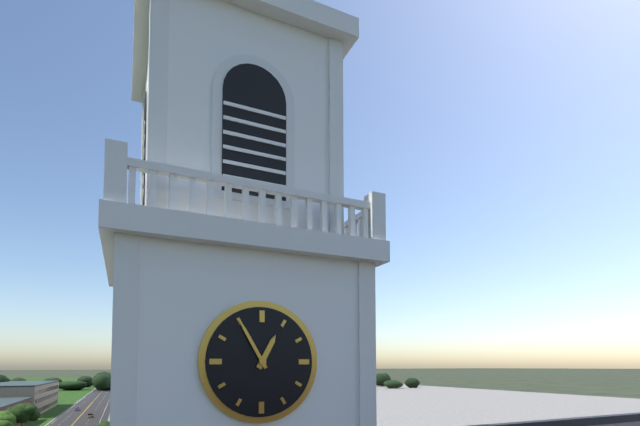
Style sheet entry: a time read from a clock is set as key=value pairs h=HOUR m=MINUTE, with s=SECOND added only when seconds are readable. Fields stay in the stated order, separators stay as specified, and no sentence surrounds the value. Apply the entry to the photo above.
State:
h=12 m=55
